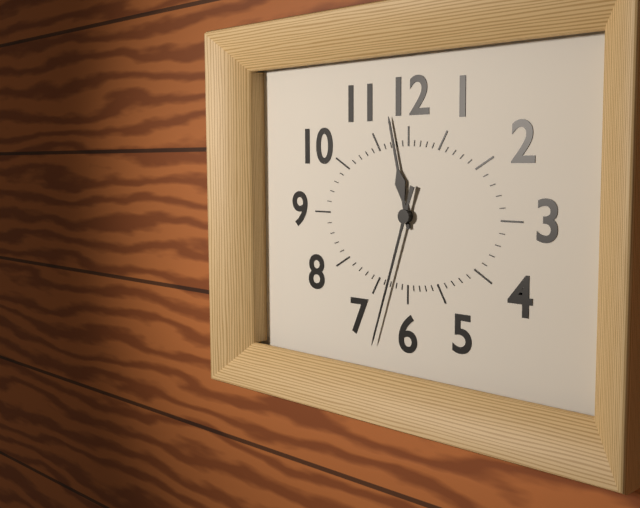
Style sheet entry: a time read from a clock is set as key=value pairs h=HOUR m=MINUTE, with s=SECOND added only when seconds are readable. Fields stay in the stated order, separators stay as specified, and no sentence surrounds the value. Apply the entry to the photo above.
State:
h=11 m=33
